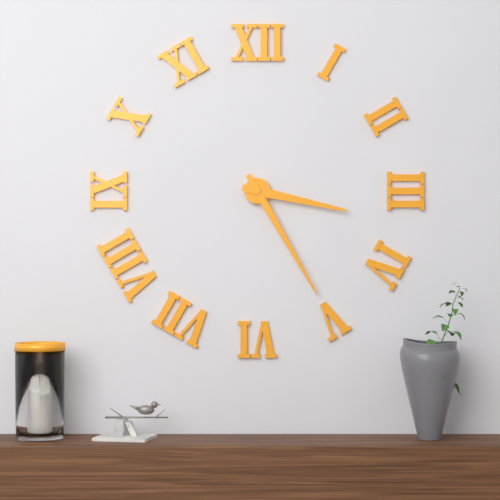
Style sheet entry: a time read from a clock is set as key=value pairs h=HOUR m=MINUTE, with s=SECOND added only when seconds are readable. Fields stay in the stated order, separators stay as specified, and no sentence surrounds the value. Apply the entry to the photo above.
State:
h=3 m=25
